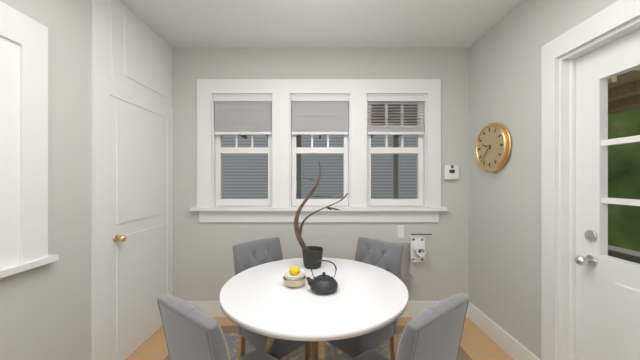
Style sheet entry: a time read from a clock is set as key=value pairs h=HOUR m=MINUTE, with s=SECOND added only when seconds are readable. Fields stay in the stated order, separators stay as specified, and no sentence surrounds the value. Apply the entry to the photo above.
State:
h=9 m=37
